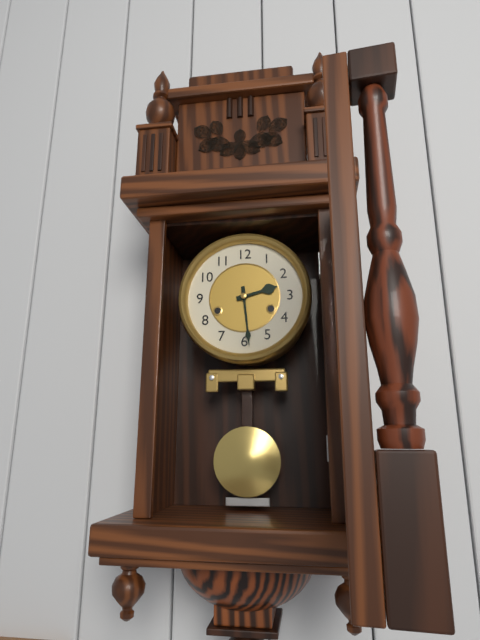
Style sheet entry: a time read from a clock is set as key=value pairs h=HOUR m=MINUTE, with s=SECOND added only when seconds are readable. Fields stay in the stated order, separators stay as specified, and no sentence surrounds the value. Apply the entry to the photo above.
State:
h=2 m=29
